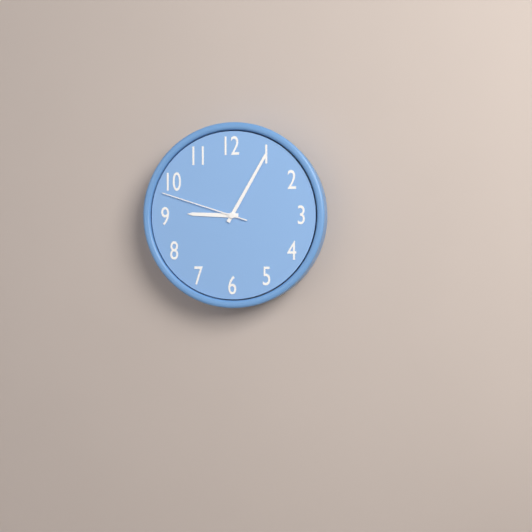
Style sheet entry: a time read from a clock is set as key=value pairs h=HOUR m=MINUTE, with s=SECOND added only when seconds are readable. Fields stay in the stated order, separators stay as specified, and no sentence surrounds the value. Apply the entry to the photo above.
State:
h=9 m=5 s=48
